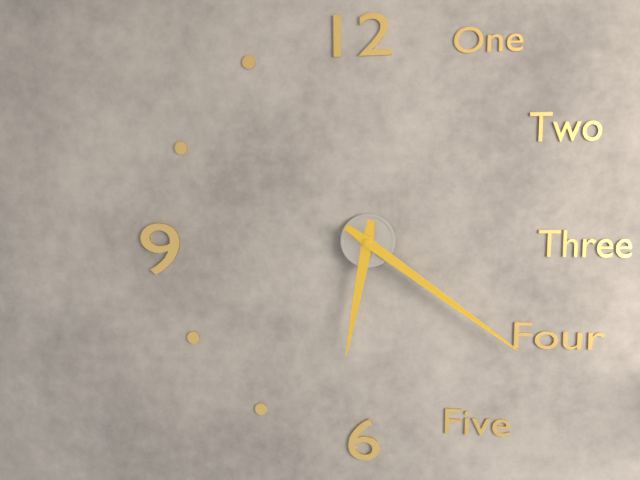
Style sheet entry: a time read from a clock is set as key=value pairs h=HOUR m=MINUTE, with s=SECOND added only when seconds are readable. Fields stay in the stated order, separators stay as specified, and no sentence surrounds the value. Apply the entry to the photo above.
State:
h=6 m=21
